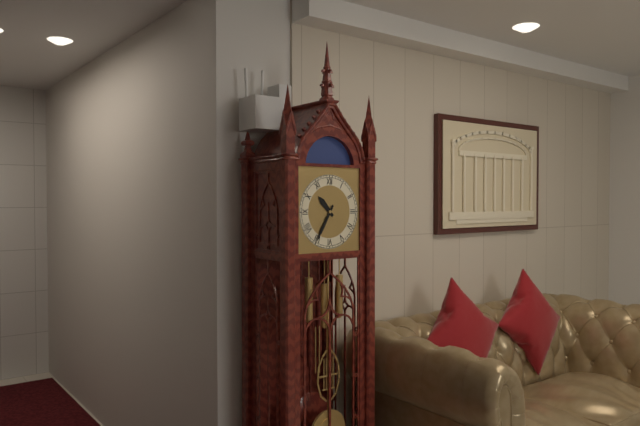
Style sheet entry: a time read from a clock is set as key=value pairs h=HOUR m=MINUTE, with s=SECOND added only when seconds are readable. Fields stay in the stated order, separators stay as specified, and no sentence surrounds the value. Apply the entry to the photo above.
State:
h=10 m=35
